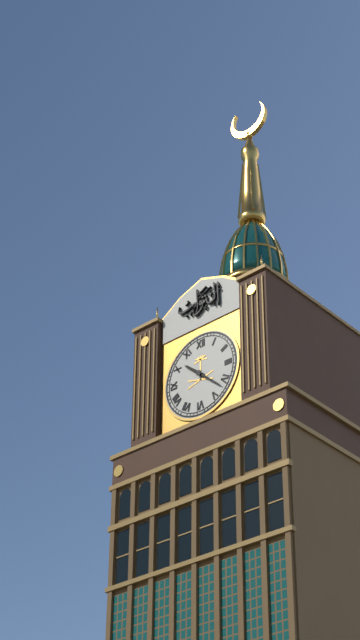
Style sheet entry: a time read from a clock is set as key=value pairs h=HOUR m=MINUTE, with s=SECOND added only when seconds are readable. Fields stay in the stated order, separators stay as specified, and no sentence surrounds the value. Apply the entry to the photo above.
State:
h=10 m=22
